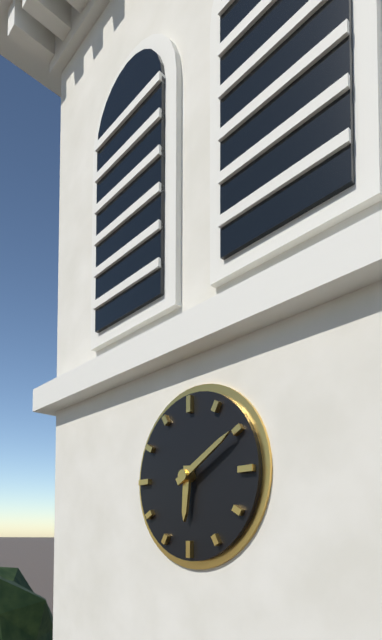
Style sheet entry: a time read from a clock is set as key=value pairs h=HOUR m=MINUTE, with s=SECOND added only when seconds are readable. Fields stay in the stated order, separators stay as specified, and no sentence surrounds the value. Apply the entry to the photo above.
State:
h=6 m=10
